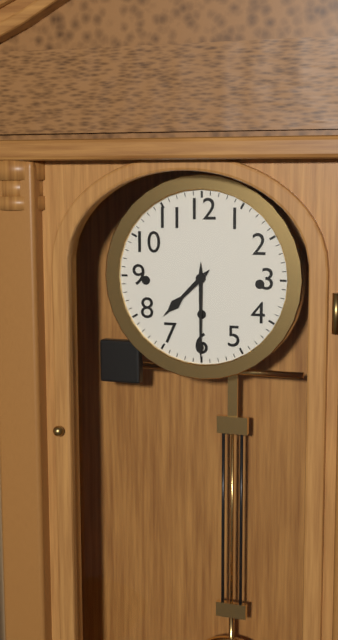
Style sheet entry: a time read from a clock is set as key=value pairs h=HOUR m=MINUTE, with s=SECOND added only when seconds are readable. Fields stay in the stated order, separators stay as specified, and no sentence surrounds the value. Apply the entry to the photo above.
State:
h=7 m=30
